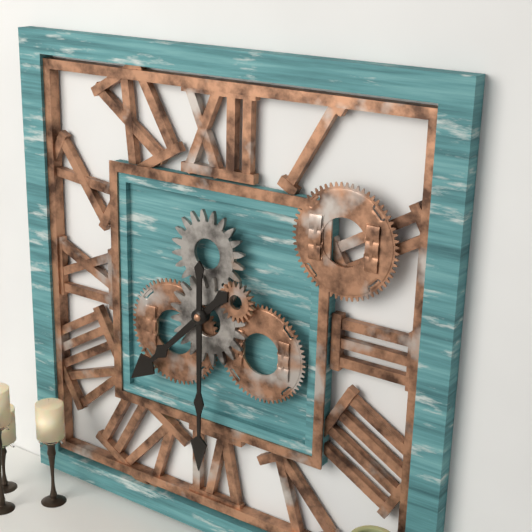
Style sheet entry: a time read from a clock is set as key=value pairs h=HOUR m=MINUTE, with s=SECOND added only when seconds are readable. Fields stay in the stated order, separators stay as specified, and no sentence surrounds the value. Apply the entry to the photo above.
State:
h=7 m=30
